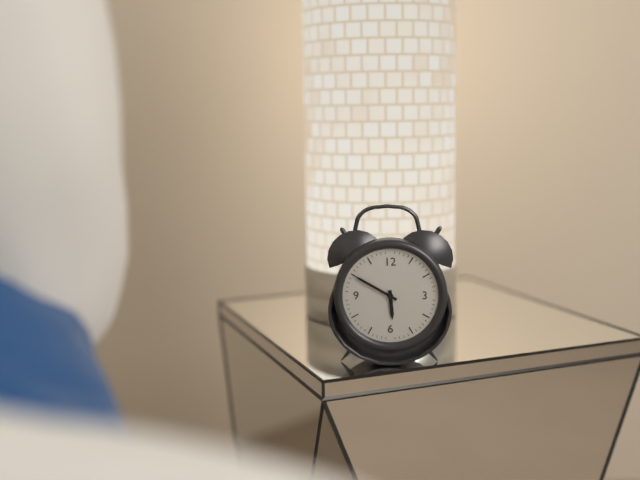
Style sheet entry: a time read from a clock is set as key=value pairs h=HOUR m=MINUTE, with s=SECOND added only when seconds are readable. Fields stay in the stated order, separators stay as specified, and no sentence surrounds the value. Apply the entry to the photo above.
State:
h=5 m=50
